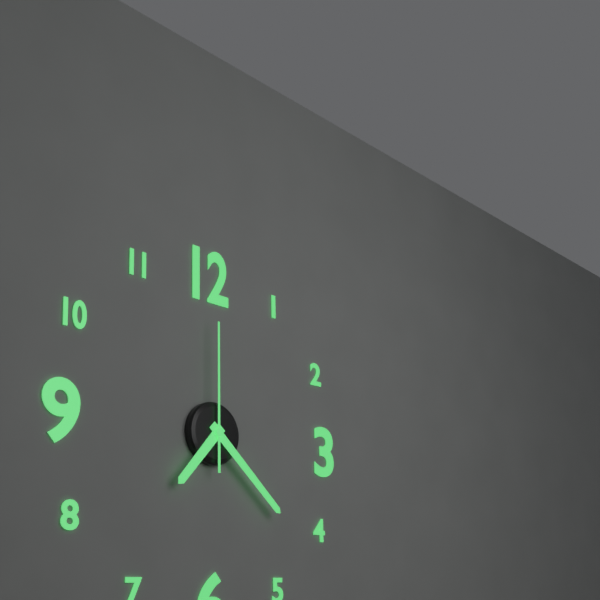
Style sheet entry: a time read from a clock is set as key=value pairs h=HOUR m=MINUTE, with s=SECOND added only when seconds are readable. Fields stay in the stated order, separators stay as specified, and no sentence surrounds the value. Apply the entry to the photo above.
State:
h=7 m=22 s=0
